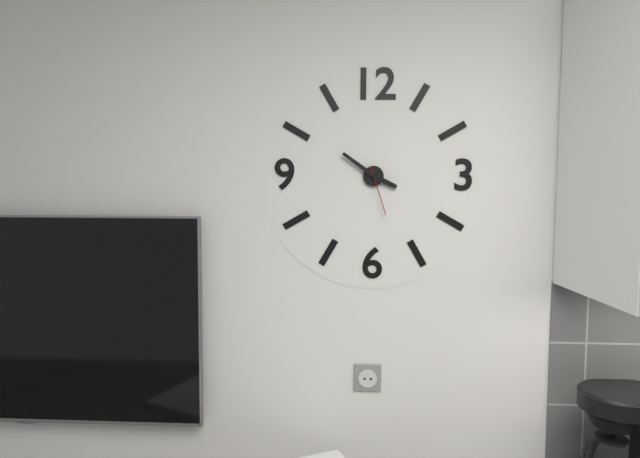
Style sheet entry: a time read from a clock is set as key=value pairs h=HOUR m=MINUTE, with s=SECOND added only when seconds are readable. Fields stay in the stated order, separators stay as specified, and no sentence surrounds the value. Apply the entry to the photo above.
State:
h=3 m=51 s=27
